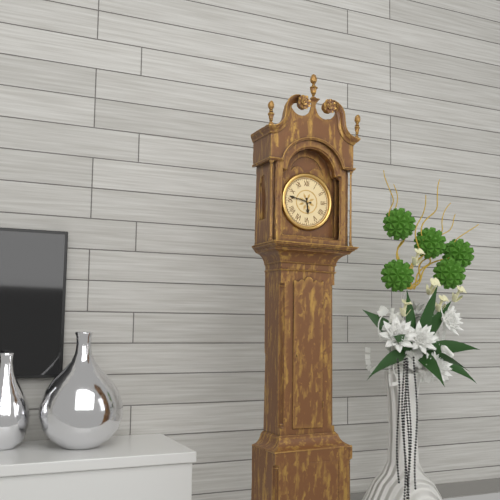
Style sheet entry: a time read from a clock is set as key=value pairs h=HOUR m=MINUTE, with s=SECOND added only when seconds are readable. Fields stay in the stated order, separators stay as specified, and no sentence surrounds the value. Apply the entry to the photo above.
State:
h=5 m=47
